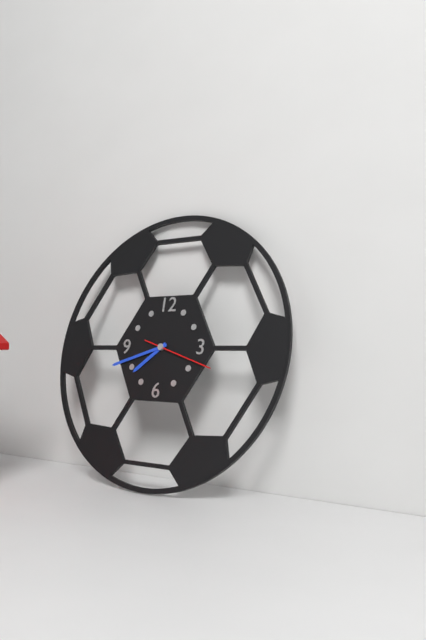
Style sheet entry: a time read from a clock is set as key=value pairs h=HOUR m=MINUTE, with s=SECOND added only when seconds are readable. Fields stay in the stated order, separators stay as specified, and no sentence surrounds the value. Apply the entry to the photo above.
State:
h=7 m=42 s=18
